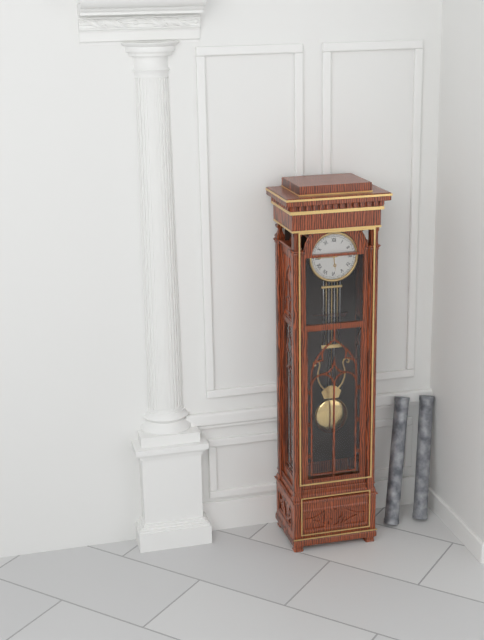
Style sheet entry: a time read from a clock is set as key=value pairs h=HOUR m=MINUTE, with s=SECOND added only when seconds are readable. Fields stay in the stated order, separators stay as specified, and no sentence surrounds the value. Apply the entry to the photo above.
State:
h=5 m=45
